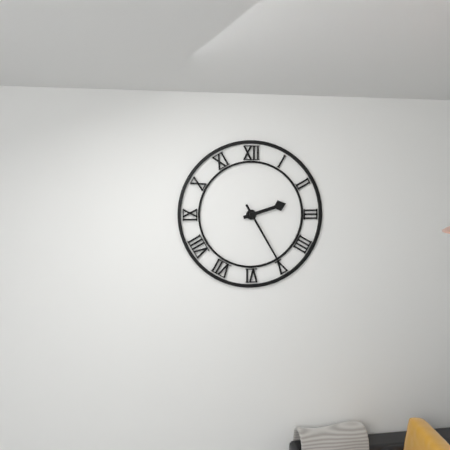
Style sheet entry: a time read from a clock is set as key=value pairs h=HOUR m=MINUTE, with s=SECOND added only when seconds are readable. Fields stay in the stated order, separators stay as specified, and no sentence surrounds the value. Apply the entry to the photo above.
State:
h=2 m=25
